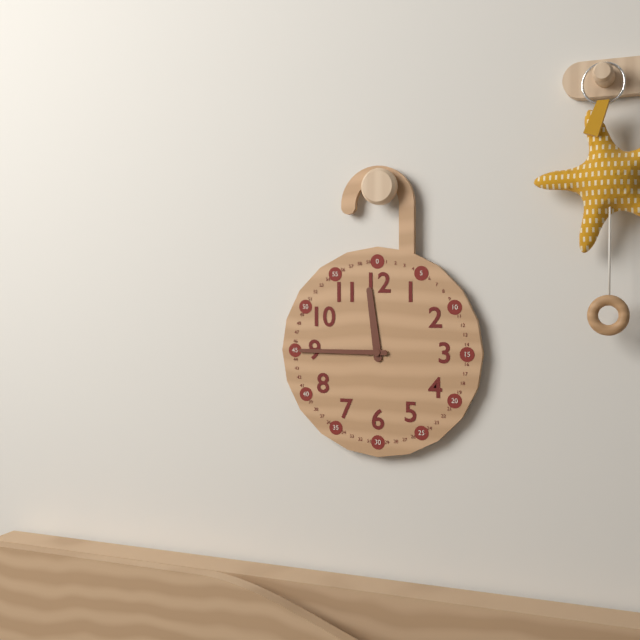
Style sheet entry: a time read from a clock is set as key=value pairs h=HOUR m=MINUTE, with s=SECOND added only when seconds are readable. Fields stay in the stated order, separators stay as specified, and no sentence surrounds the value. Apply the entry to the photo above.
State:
h=11 m=45
